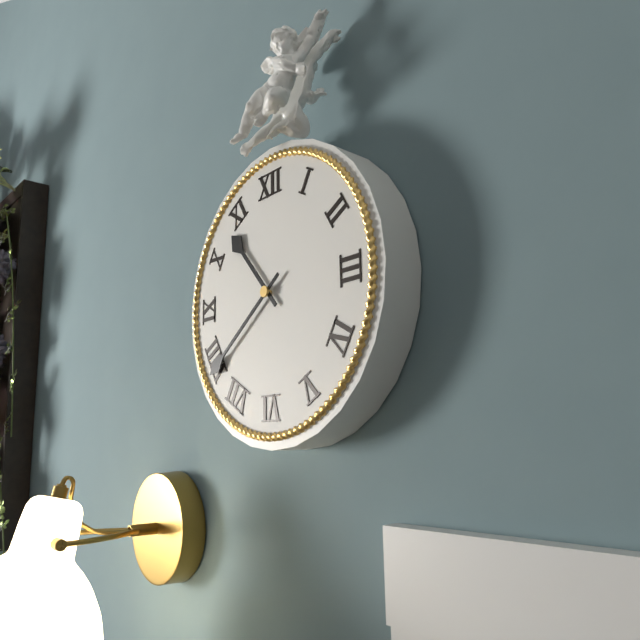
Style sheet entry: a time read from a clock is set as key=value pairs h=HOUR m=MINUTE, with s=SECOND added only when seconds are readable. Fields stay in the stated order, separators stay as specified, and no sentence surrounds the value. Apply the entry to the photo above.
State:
h=10 m=39
